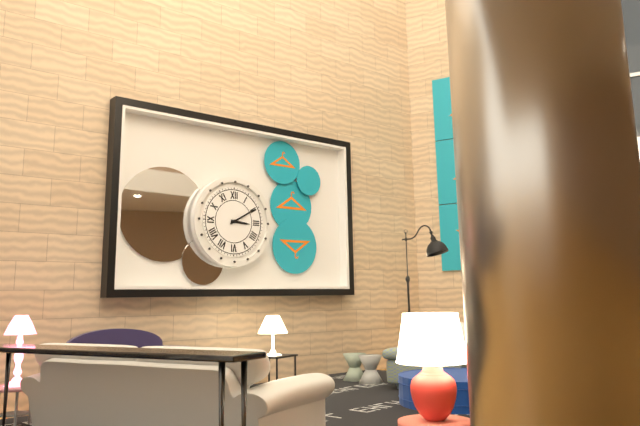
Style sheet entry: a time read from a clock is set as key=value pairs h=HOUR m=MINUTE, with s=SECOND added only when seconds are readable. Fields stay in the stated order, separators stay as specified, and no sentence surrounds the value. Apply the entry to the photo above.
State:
h=3 m=10
